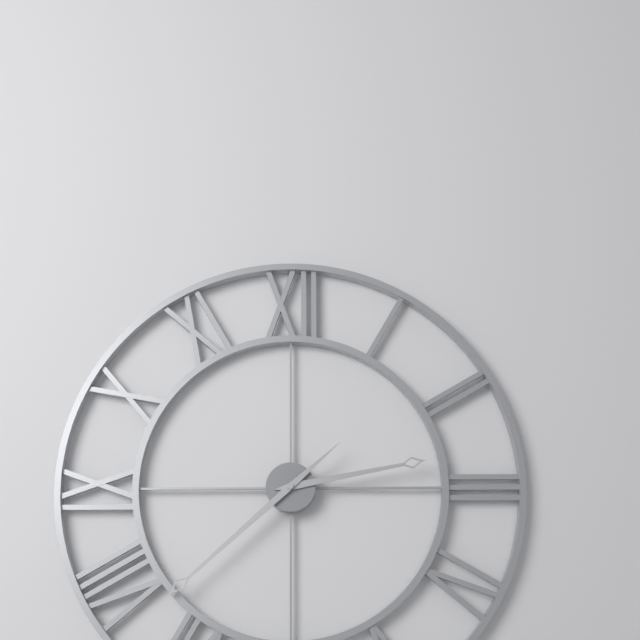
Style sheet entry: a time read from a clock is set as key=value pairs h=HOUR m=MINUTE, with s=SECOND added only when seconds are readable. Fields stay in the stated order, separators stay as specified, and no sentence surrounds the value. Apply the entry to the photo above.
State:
h=2 m=38
